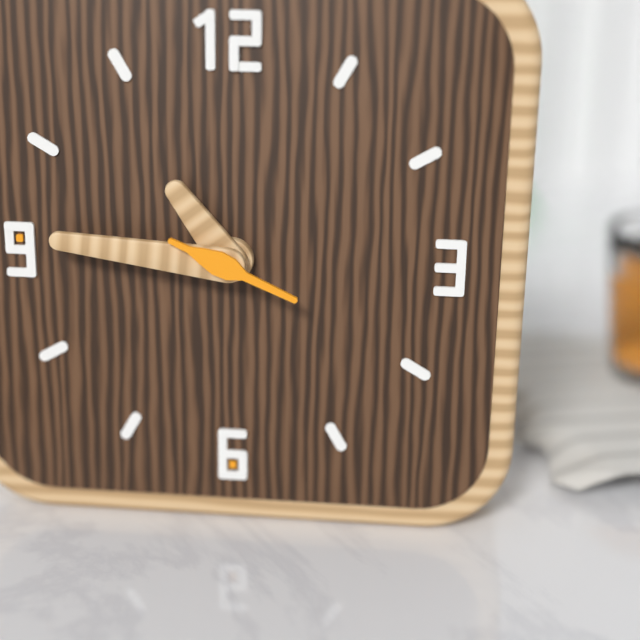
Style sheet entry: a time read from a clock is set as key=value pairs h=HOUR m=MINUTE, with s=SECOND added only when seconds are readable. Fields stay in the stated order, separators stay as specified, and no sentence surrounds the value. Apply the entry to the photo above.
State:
h=10 m=46 s=19
